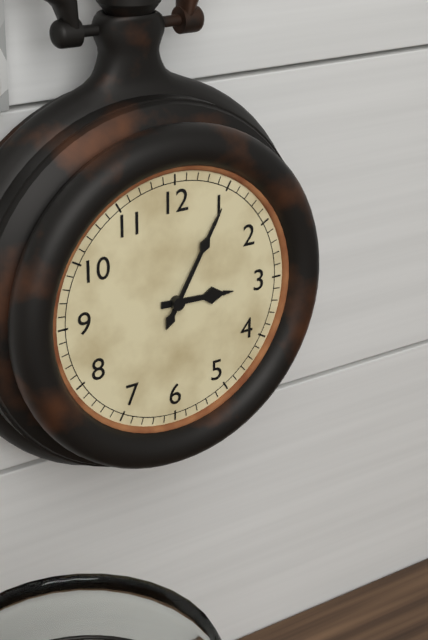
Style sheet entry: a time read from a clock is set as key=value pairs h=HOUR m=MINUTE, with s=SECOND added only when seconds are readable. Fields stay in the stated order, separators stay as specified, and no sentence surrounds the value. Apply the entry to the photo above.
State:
h=3 m=5
